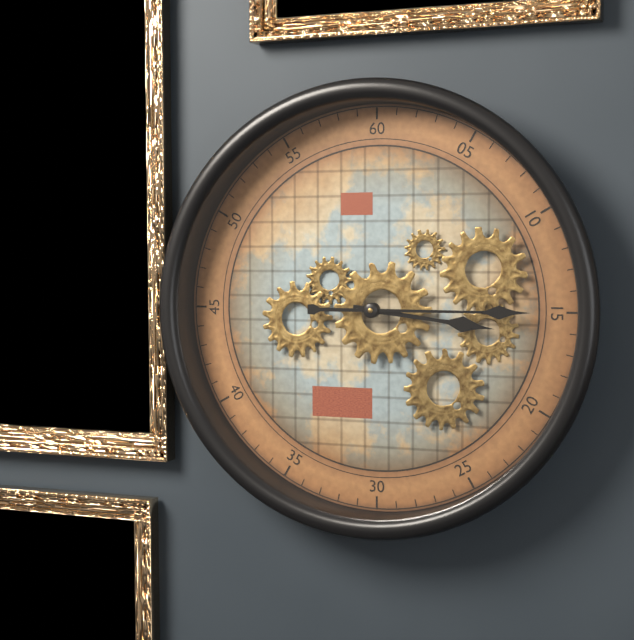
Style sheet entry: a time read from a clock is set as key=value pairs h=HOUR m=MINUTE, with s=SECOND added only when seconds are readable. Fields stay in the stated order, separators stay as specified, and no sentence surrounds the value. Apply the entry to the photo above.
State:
h=3 m=15
